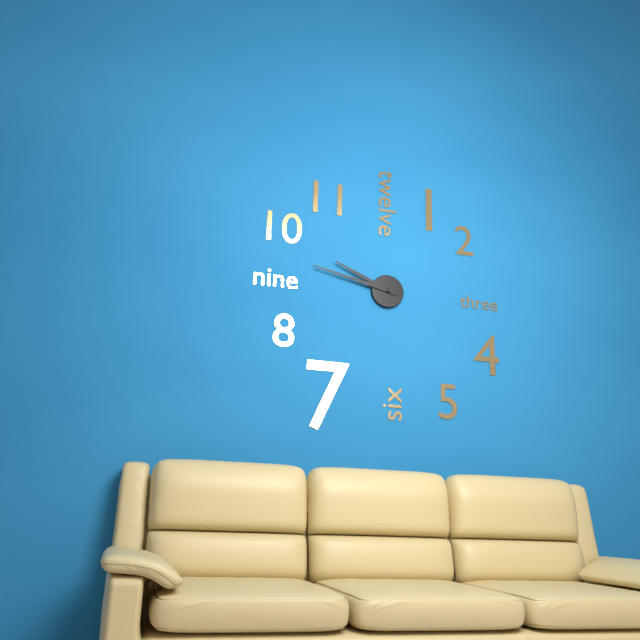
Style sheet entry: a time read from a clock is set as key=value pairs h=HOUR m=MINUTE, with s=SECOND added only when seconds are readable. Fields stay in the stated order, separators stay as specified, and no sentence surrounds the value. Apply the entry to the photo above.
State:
h=9 m=47
